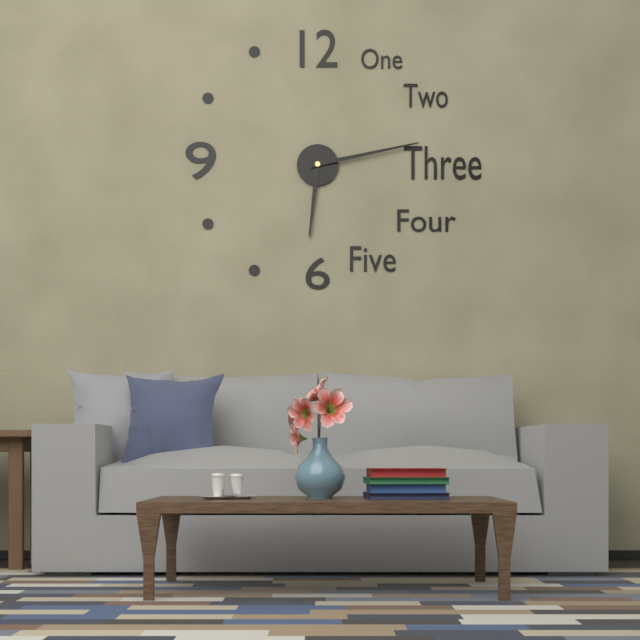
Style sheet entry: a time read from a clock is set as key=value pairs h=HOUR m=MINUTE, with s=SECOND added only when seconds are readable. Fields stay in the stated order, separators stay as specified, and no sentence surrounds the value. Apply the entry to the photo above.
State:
h=6 m=13
